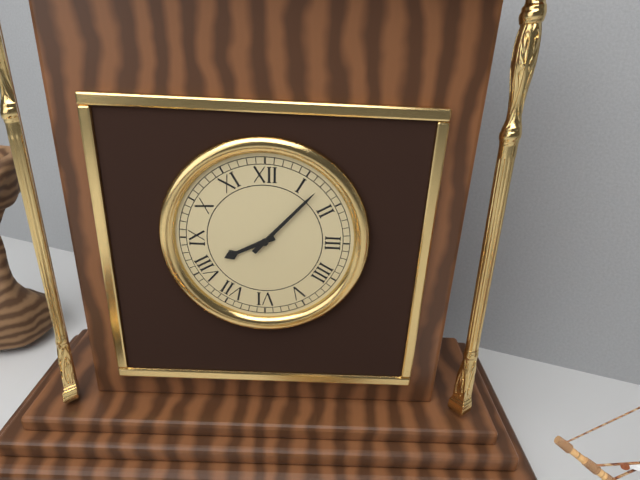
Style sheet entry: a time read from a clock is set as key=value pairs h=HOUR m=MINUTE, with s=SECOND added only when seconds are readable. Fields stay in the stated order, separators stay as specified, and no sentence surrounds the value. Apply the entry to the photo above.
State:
h=8 m=7
